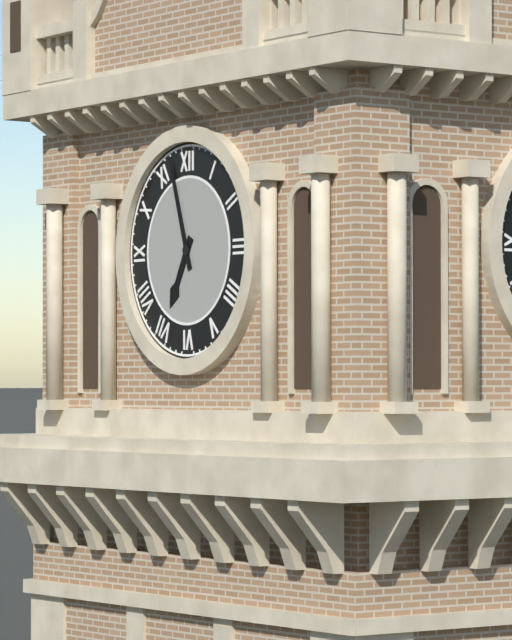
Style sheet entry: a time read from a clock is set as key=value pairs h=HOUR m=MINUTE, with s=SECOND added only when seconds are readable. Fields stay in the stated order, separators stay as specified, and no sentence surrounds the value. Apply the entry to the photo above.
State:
h=6 m=57
